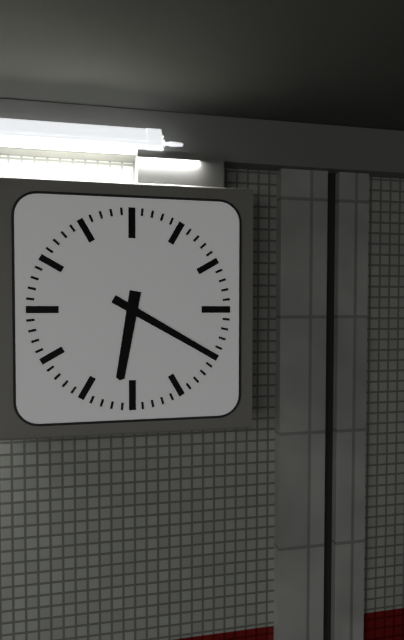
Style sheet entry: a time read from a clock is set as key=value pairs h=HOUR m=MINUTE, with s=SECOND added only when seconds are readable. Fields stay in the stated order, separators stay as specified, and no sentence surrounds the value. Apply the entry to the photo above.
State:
h=6 m=20
